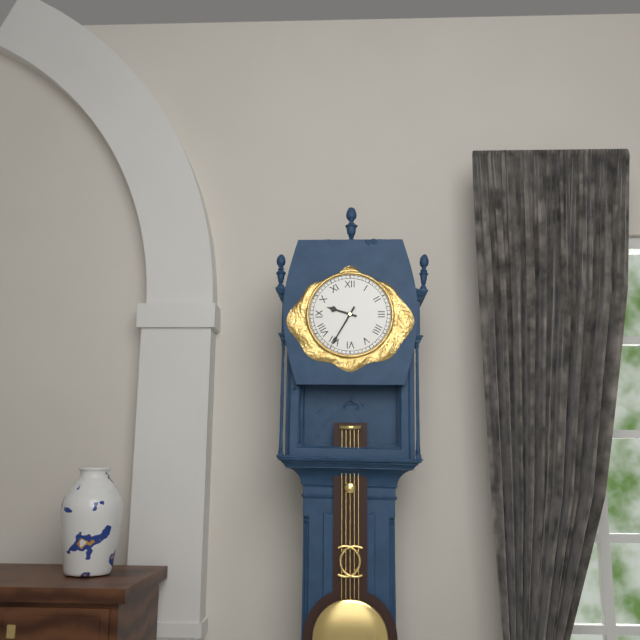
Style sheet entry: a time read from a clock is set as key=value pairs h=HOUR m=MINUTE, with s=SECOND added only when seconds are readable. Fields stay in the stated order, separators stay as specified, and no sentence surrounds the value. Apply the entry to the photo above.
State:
h=9 m=35
